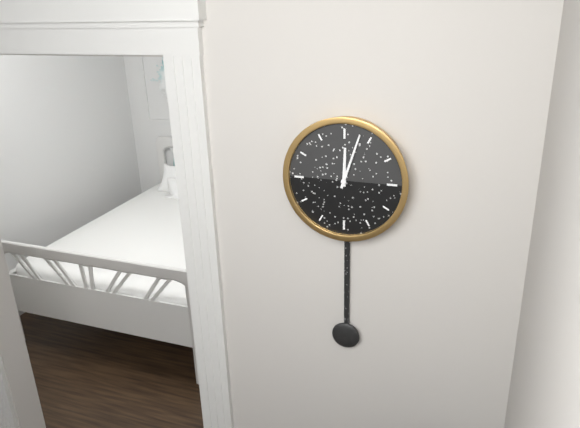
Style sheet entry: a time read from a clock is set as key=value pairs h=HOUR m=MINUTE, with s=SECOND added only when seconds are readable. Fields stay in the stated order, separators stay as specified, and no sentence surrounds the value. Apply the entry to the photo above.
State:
h=12 m=3
